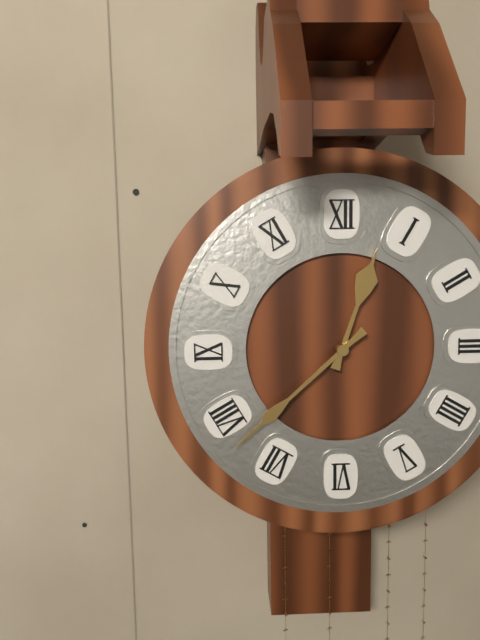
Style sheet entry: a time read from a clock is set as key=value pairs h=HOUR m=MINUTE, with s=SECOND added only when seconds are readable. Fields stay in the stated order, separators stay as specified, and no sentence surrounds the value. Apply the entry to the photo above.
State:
h=12 m=38
